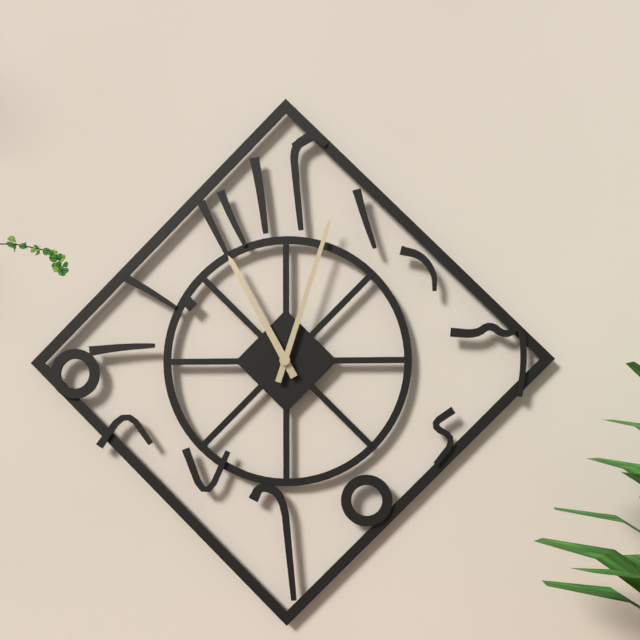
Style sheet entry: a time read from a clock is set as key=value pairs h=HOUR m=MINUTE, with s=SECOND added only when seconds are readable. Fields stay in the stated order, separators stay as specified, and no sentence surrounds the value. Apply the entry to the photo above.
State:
h=11 m=3
